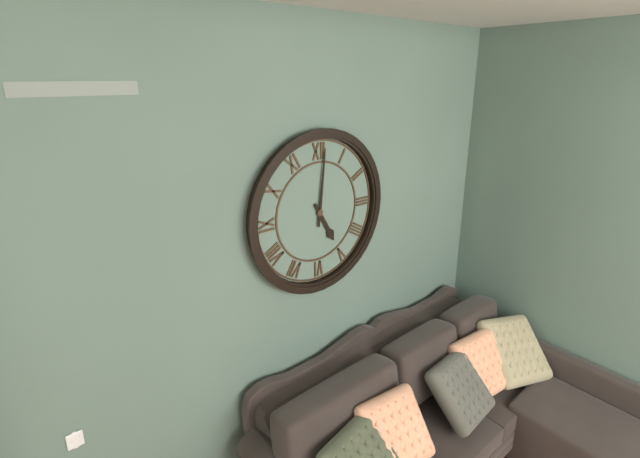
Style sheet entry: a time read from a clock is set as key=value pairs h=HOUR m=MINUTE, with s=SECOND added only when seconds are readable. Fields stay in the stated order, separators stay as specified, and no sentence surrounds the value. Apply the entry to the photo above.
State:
h=5 m=1
